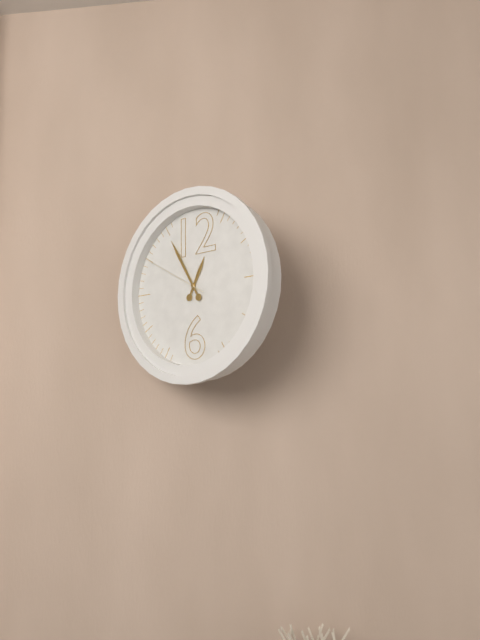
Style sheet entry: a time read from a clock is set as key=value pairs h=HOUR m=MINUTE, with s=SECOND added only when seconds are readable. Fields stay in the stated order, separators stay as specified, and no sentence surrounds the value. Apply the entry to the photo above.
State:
h=12 m=55 s=50
